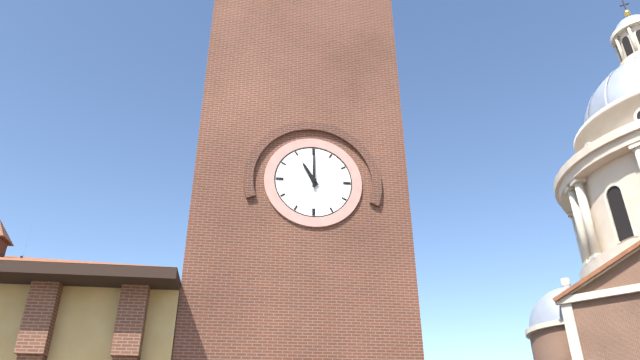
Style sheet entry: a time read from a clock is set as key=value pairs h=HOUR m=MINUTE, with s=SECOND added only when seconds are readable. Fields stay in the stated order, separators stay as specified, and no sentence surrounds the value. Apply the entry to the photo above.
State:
h=11 m=0
